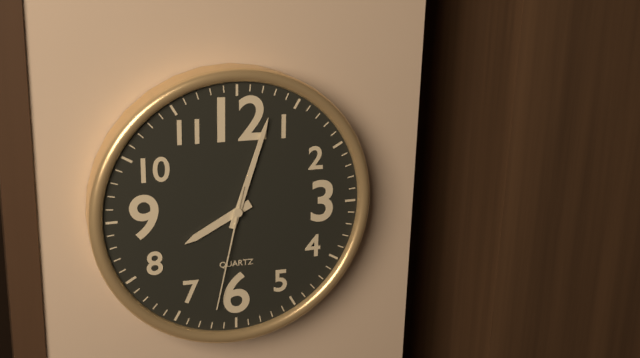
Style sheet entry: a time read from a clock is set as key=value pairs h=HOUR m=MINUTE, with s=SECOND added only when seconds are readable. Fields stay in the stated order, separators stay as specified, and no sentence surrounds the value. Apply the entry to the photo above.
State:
h=8 m=3 s=32
